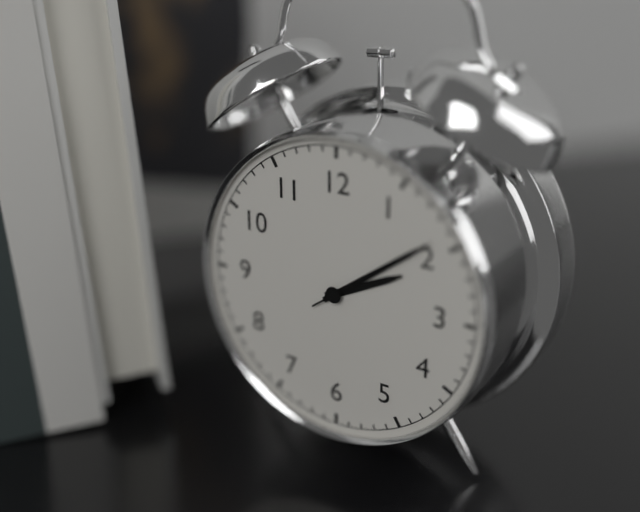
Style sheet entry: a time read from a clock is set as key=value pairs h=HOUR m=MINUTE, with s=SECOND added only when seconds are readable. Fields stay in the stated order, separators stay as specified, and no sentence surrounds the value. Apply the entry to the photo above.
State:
h=2 m=9 s=9
